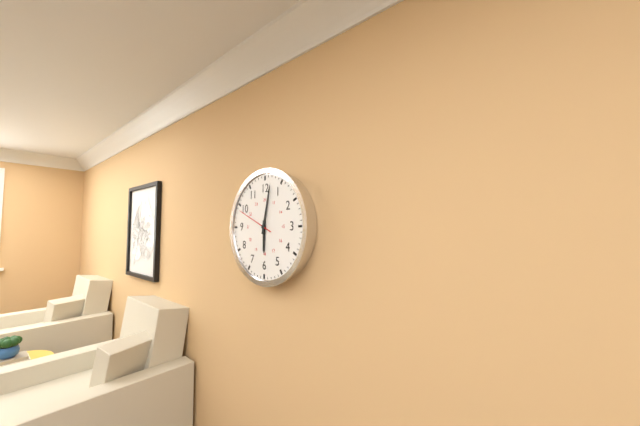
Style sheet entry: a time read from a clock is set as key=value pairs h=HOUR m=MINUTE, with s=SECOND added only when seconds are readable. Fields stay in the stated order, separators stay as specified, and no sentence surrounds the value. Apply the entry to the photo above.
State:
h=6 m=2
